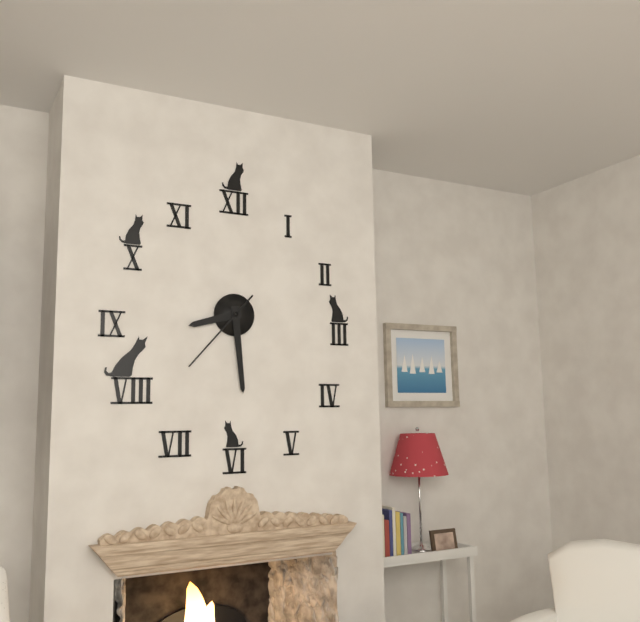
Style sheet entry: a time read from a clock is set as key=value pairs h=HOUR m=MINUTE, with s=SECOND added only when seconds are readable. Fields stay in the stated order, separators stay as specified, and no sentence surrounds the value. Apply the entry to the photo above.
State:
h=8 m=29 s=37
